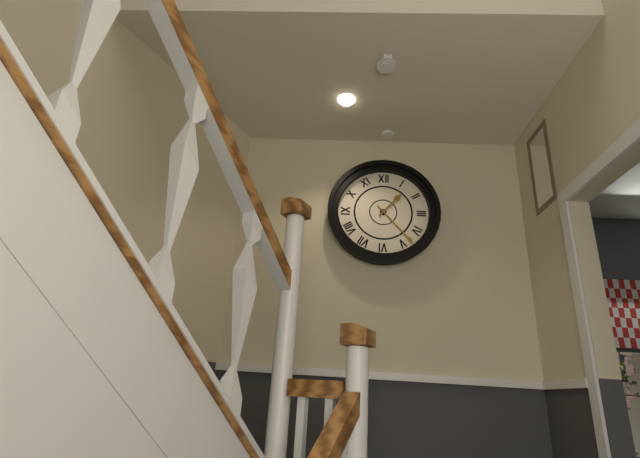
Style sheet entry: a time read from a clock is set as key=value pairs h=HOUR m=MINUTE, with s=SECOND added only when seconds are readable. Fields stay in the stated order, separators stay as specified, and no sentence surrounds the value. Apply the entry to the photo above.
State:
h=1 m=23
